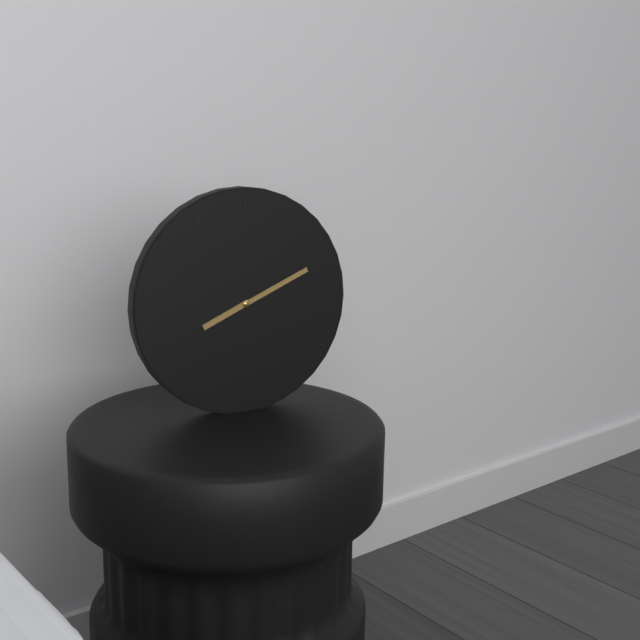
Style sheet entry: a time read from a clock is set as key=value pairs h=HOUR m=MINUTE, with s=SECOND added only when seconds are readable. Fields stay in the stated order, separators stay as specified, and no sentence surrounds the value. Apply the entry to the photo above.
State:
h=8 m=11
